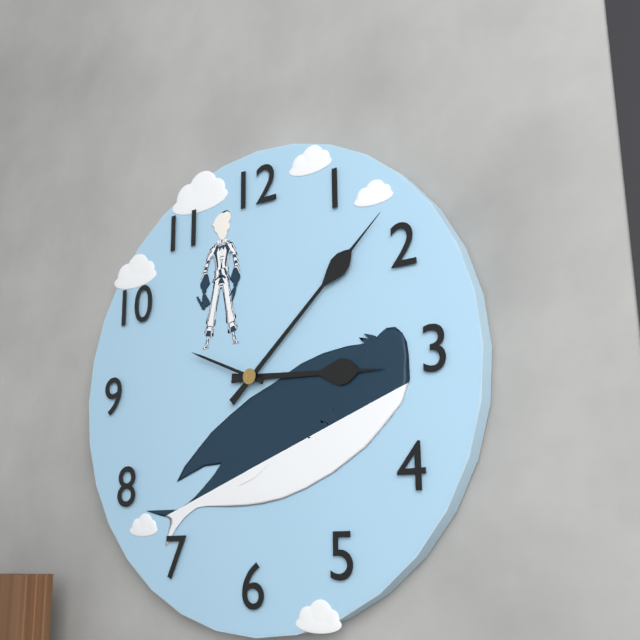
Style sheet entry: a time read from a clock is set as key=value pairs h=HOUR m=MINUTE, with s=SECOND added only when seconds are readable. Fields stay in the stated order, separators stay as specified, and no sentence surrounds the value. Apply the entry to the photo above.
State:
h=3 m=8 s=49
